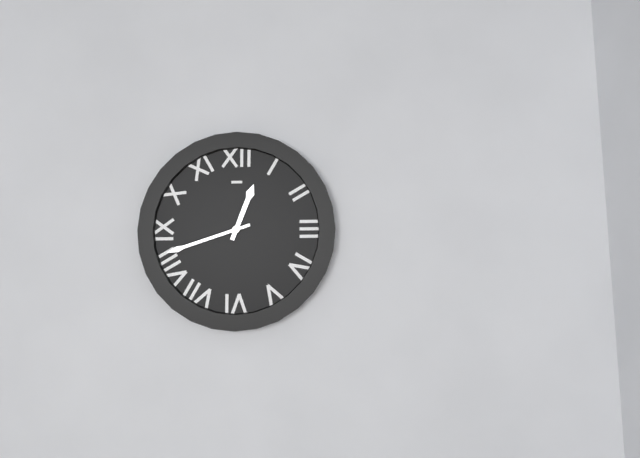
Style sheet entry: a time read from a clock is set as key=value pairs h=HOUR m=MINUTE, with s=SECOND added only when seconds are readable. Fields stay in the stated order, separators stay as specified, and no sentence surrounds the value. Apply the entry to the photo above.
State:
h=12 m=42
